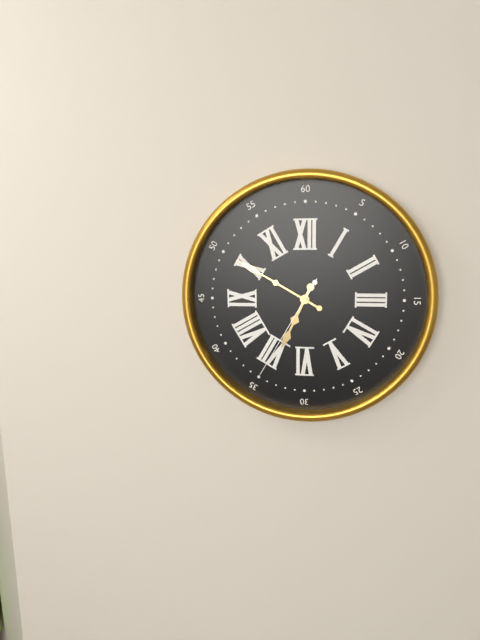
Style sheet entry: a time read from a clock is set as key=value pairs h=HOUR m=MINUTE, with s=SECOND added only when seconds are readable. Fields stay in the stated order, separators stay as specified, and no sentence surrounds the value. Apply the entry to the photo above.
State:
h=6 m=50 s=35
